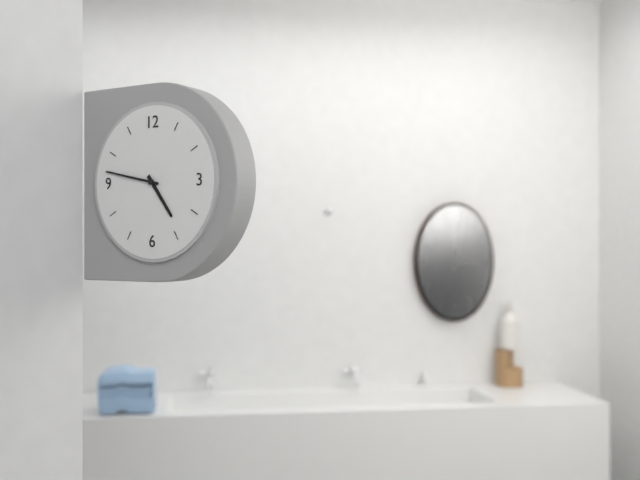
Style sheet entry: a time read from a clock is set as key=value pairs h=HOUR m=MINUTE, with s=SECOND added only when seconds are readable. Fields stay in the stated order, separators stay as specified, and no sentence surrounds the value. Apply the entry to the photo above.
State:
h=4 m=47
